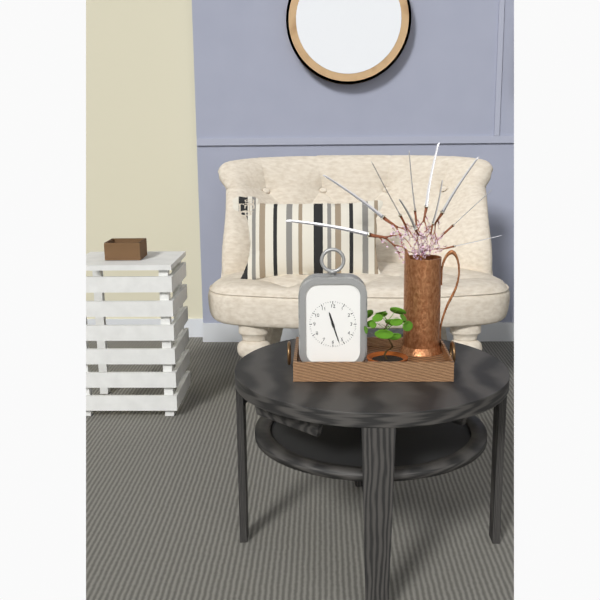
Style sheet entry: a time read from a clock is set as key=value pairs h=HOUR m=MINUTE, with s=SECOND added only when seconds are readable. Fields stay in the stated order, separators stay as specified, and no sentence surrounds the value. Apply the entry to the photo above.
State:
h=11 m=27
